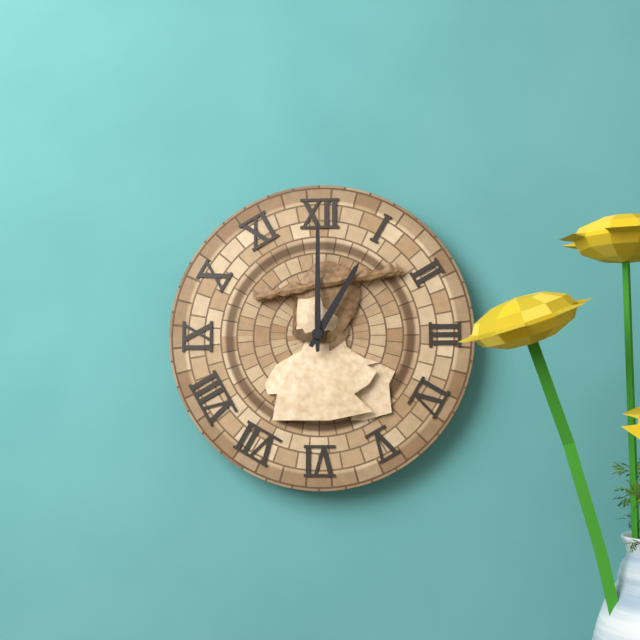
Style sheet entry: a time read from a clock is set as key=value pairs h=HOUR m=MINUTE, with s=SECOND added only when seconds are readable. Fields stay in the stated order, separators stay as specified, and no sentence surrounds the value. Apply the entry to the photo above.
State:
h=1 m=0
